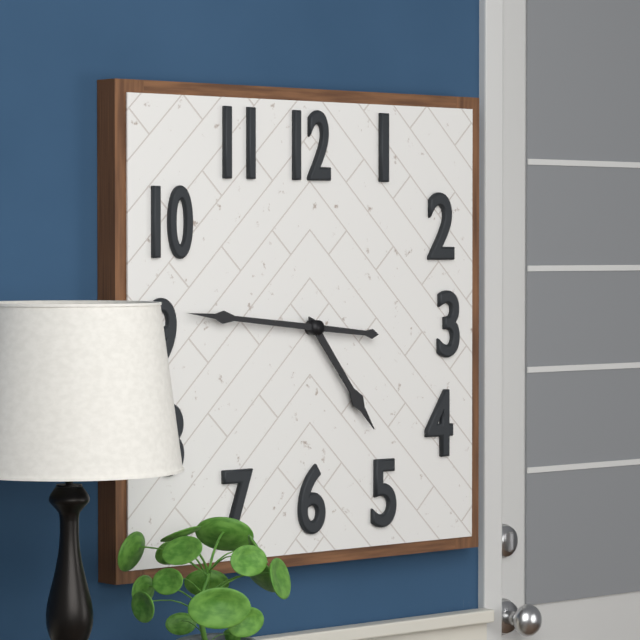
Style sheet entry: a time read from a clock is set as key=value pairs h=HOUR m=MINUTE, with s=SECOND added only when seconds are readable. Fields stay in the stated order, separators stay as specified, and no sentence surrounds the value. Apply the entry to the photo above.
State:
h=4 m=46
